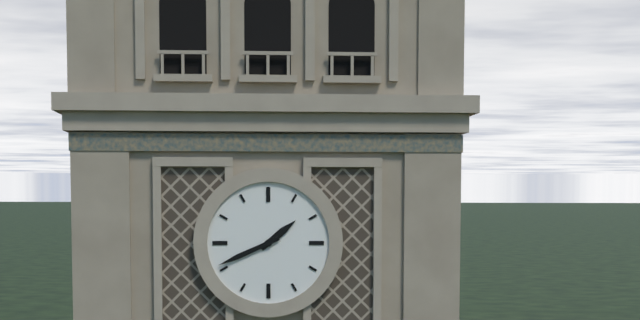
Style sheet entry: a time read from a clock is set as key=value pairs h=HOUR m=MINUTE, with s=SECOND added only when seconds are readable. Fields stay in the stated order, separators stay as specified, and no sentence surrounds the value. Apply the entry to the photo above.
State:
h=1 m=41
